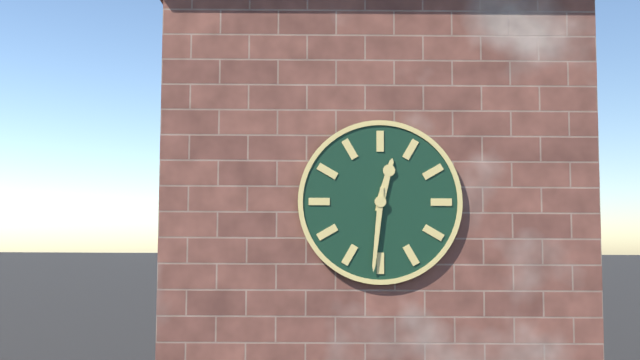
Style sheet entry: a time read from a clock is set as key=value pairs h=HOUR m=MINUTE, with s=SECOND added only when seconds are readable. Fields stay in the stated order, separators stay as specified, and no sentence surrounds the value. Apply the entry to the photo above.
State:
h=12 m=31
